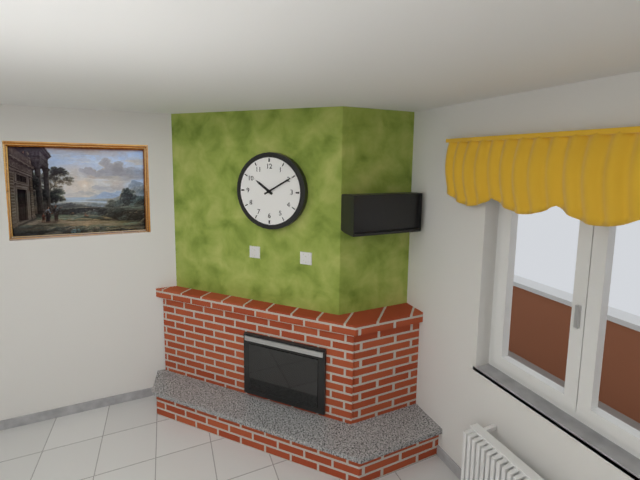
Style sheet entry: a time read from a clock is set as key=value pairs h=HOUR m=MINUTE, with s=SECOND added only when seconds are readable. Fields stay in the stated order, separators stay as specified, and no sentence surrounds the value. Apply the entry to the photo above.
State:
h=10 m=10
